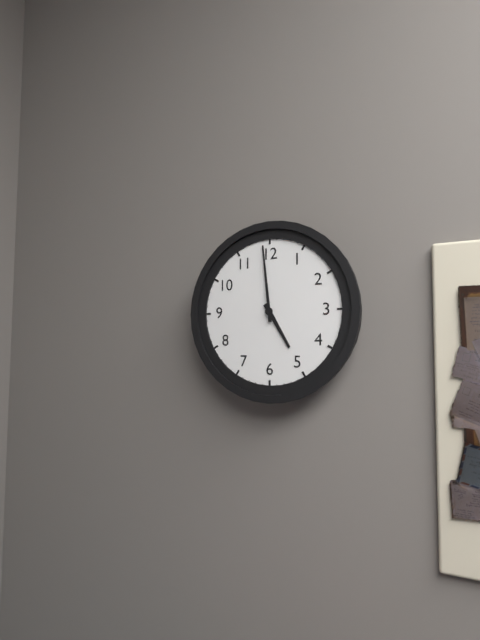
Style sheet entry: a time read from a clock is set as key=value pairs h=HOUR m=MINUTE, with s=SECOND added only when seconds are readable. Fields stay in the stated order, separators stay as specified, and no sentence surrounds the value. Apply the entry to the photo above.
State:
h=4 m=59
